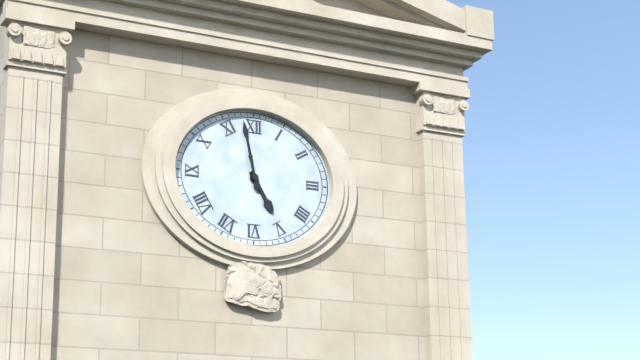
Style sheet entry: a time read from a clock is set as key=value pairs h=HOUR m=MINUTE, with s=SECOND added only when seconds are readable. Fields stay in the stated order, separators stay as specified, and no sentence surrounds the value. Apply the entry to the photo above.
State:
h=4 m=58
